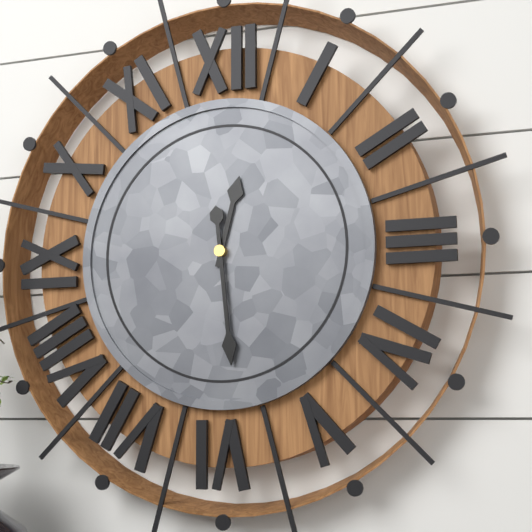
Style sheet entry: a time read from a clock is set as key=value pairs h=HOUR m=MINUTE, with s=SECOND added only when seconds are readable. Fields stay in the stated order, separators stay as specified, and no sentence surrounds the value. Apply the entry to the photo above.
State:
h=12 m=29
